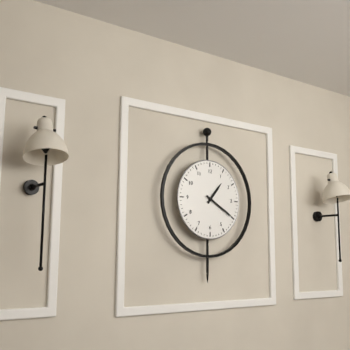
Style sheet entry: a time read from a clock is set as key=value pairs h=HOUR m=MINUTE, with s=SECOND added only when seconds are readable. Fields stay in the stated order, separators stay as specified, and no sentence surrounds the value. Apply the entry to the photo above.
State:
h=1 m=20
